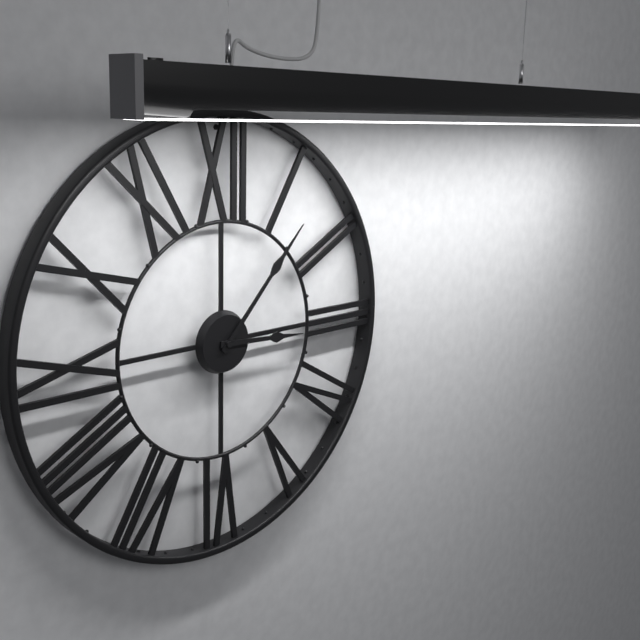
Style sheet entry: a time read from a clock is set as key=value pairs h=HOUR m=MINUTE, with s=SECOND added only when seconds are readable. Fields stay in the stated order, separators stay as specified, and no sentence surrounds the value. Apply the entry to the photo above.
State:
h=3 m=7
